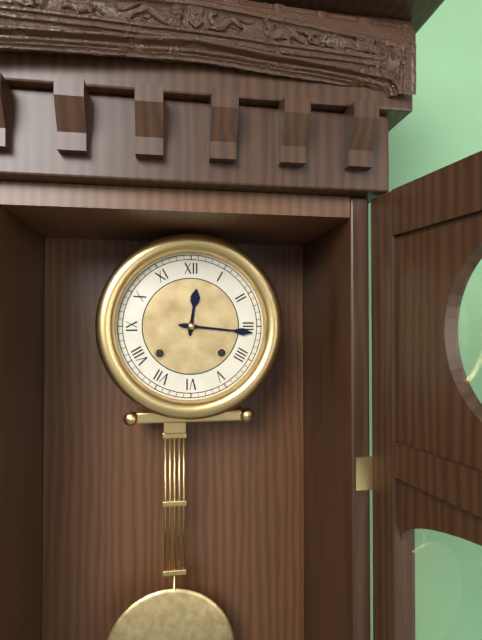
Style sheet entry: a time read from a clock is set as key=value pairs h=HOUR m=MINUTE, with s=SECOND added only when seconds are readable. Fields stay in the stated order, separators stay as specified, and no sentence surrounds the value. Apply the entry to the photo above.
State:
h=12 m=16
